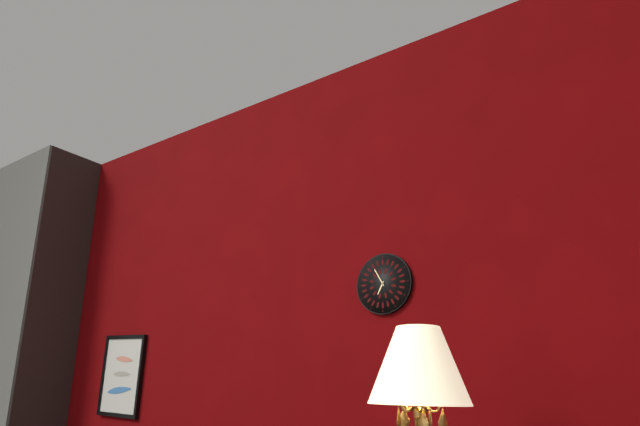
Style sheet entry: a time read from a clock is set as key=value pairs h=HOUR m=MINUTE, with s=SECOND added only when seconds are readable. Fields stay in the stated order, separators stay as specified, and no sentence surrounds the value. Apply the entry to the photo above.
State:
h=6 m=55
